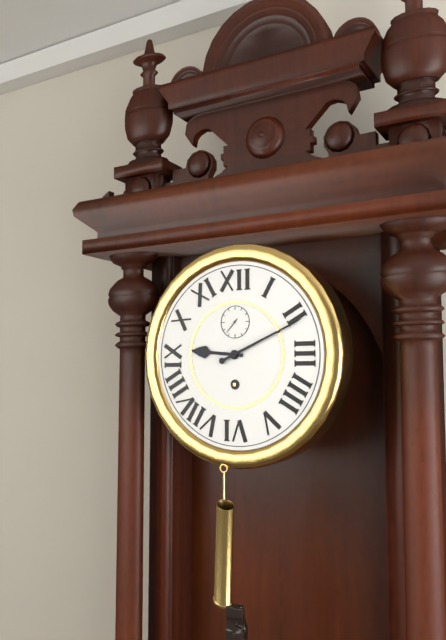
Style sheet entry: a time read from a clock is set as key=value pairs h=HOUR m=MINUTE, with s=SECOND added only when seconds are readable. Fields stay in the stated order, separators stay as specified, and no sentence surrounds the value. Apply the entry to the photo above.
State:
h=9 m=11
